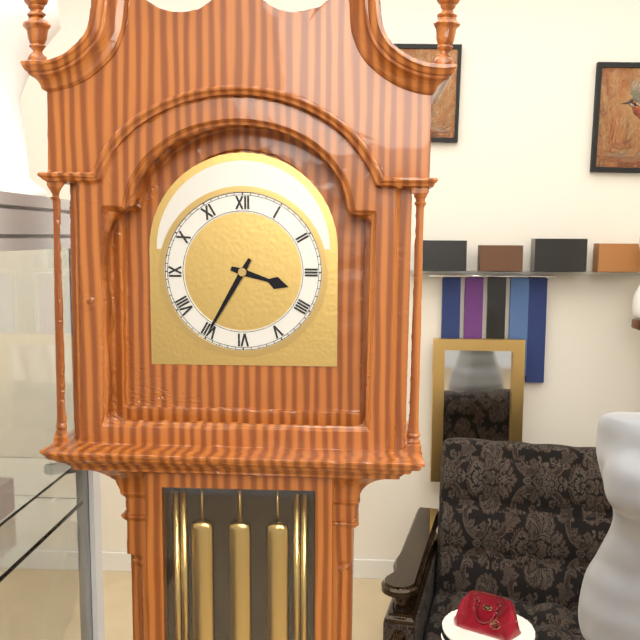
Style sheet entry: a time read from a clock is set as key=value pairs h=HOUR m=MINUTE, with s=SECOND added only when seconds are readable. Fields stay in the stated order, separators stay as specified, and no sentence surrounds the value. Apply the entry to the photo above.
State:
h=3 m=35
